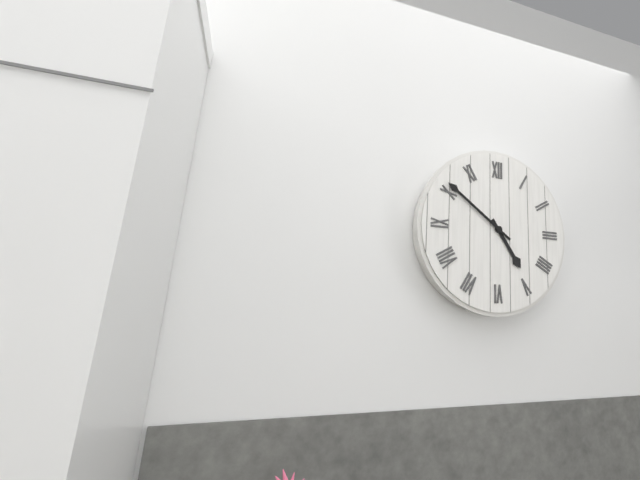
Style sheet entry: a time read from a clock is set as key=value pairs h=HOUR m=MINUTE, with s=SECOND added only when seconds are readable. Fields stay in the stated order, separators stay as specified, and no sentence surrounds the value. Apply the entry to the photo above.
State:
h=4 m=51
